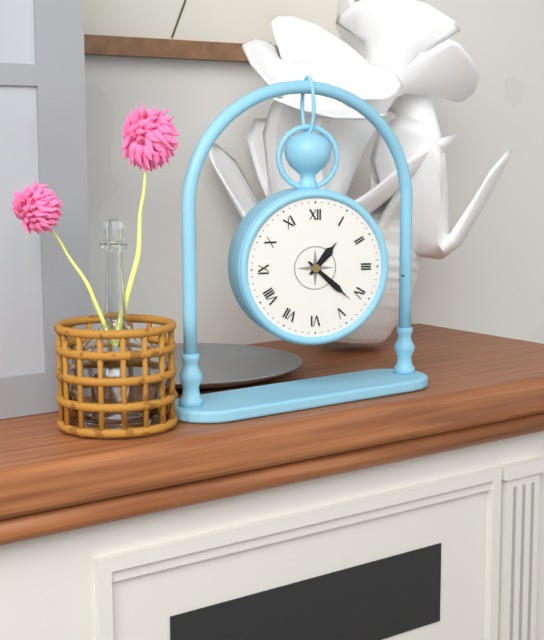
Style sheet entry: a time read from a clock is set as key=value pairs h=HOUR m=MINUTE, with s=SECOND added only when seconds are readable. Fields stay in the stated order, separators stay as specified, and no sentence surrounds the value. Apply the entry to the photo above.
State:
h=1 m=22
